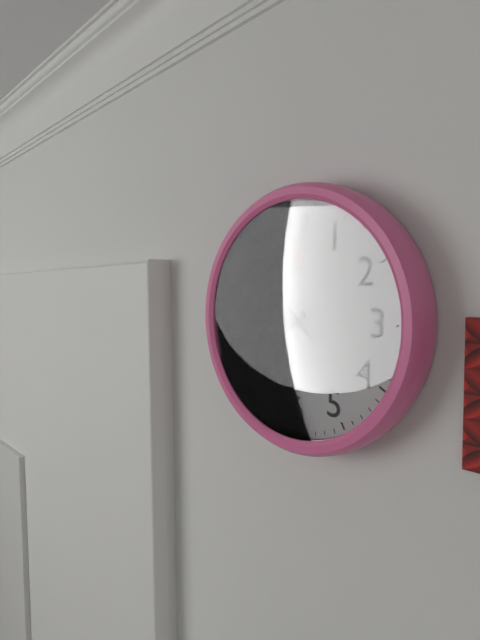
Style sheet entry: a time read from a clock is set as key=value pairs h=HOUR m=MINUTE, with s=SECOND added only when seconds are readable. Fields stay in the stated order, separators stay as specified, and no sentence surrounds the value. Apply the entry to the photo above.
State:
h=7 m=52 s=52
